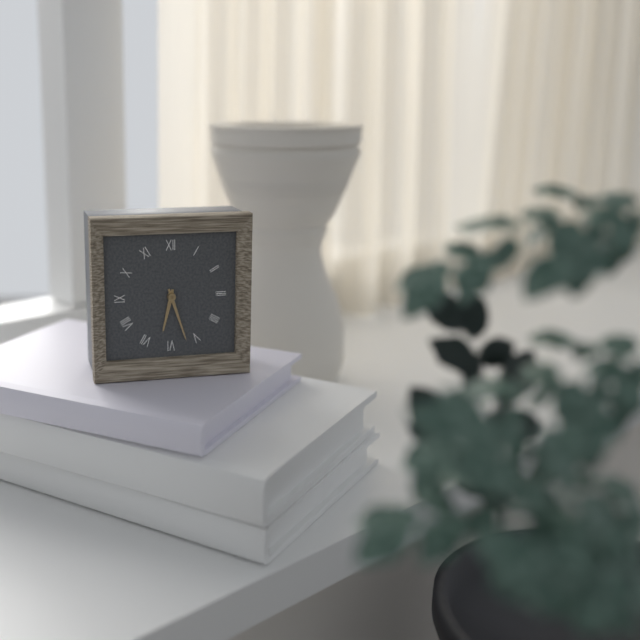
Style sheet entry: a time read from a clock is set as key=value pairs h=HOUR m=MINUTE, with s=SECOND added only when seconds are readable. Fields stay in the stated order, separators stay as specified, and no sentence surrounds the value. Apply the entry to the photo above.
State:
h=6 m=27
